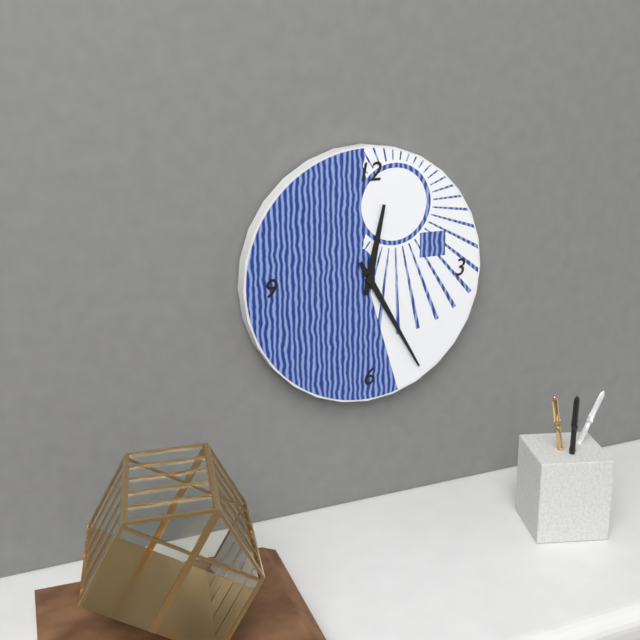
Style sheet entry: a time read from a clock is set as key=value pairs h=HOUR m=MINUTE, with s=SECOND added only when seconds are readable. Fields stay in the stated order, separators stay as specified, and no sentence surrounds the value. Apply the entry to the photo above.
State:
h=12 m=25
